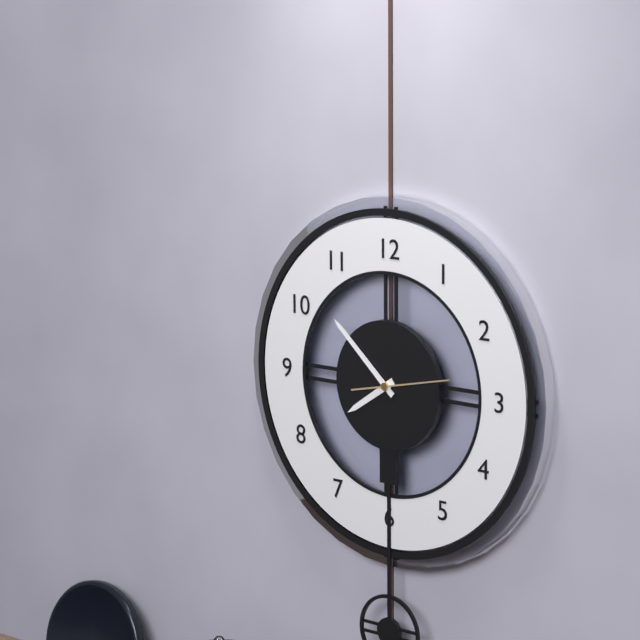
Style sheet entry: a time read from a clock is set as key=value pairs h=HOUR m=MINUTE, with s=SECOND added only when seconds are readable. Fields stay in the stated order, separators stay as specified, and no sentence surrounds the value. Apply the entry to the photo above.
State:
h=7 m=52 s=13
